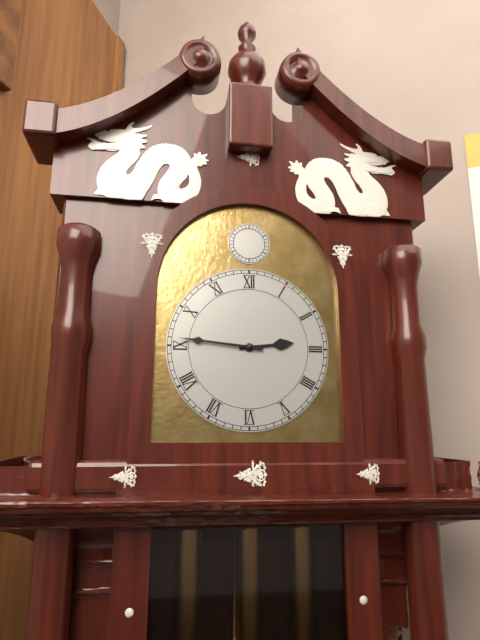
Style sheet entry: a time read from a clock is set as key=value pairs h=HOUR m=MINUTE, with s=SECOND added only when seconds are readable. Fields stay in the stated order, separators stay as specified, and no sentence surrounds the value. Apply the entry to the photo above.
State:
h=2 m=46
